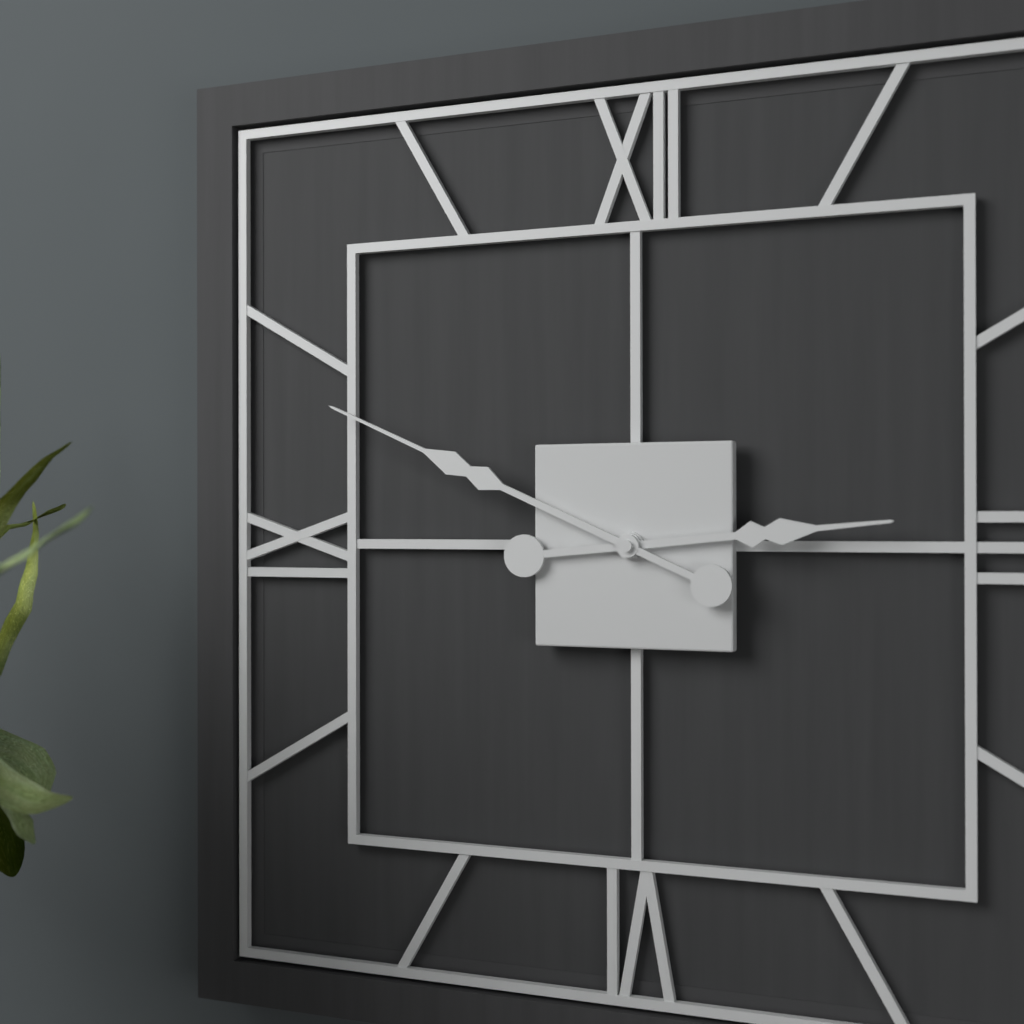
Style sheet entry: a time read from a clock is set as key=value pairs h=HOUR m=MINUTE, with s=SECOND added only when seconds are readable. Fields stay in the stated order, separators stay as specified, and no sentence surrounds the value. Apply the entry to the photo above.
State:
h=2 m=49
